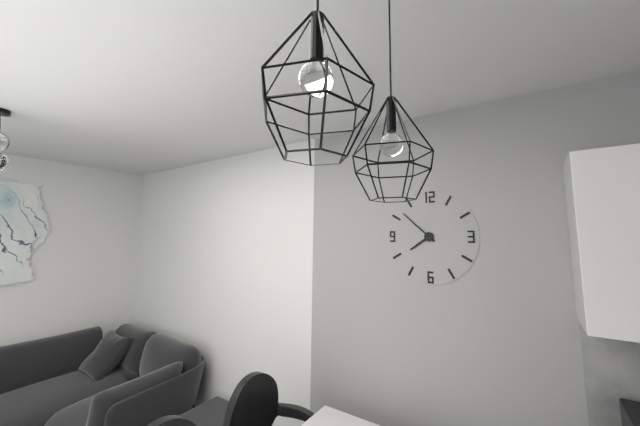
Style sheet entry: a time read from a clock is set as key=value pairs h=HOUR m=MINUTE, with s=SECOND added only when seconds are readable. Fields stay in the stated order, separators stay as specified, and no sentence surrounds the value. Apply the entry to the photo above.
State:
h=7 m=52
